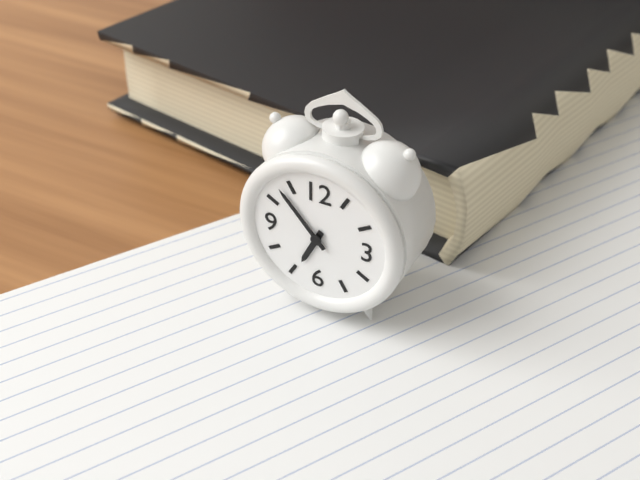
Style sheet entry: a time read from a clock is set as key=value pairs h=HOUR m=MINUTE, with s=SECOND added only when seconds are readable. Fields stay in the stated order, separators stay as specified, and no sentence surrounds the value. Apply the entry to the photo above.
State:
h=6 m=53
